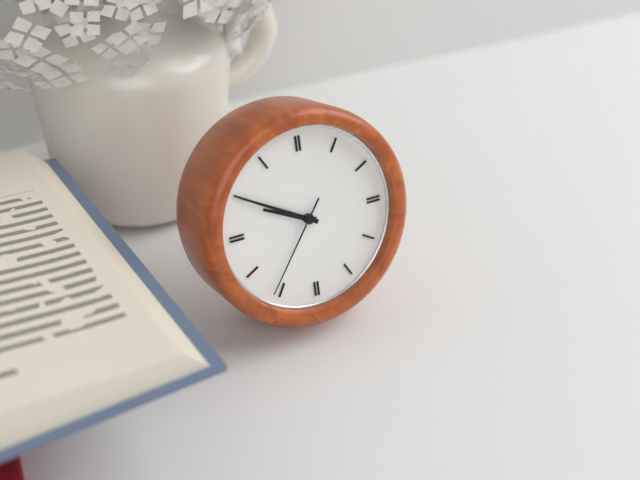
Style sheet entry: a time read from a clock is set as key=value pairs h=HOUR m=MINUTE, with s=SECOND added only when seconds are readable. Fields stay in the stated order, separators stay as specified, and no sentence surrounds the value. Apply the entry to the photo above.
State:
h=9 m=50 s=36
